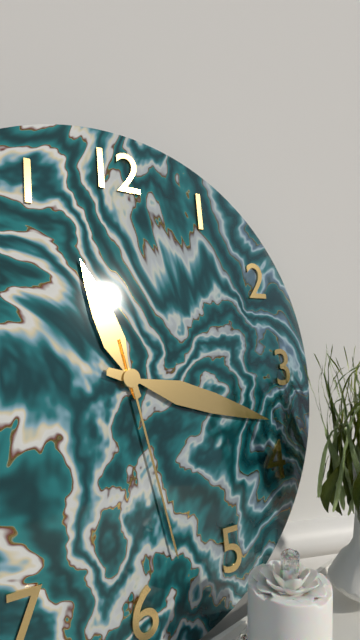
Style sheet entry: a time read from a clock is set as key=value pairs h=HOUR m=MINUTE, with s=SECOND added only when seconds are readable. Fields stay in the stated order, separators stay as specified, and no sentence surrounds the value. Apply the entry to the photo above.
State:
h=11 m=18 s=28
